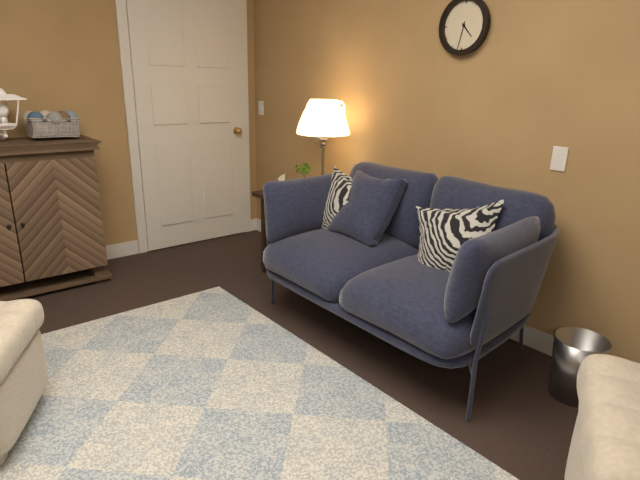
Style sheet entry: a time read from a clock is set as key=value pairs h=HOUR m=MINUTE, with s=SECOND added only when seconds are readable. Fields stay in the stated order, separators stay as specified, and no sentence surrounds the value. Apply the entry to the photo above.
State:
h=4 m=32
